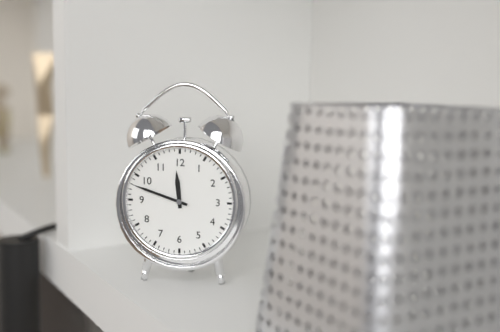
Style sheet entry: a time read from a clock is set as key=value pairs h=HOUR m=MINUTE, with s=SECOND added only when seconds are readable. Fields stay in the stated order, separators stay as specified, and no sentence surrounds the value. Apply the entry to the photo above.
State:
h=11 m=48
